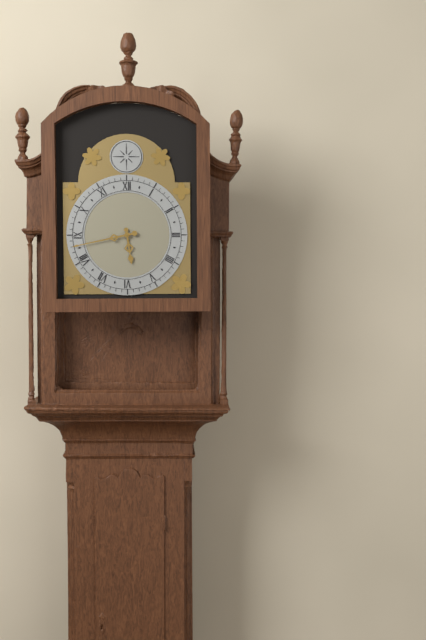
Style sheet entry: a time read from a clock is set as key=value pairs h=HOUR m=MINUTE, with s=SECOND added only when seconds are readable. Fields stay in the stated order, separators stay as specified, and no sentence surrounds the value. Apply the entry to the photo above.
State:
h=5 m=43
